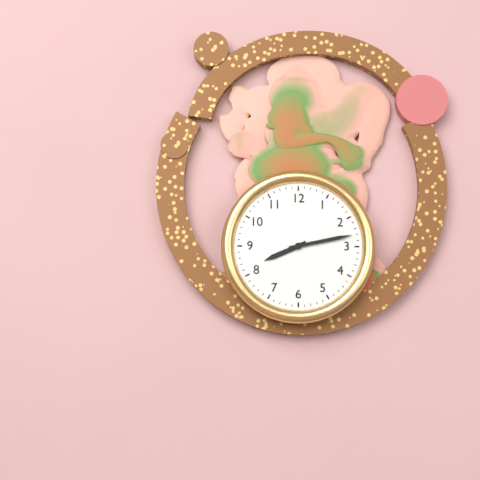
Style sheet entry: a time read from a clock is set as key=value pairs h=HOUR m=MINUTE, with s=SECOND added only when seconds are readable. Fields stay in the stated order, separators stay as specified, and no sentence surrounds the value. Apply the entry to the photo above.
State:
h=8 m=13
